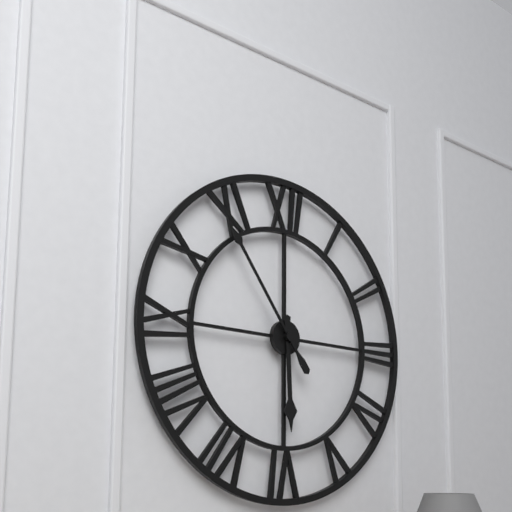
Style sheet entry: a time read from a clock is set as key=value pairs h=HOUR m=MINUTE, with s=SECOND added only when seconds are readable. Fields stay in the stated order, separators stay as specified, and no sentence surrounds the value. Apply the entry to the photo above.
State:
h=5 m=54
